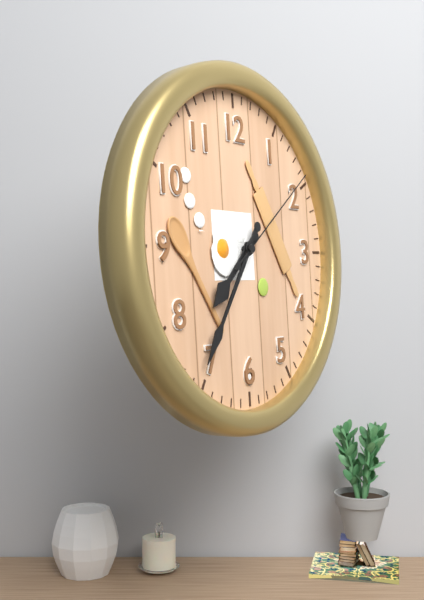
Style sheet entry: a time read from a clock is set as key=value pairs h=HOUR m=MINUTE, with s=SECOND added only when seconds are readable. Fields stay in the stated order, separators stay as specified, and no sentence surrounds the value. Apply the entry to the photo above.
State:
h=7 m=36 s=9
